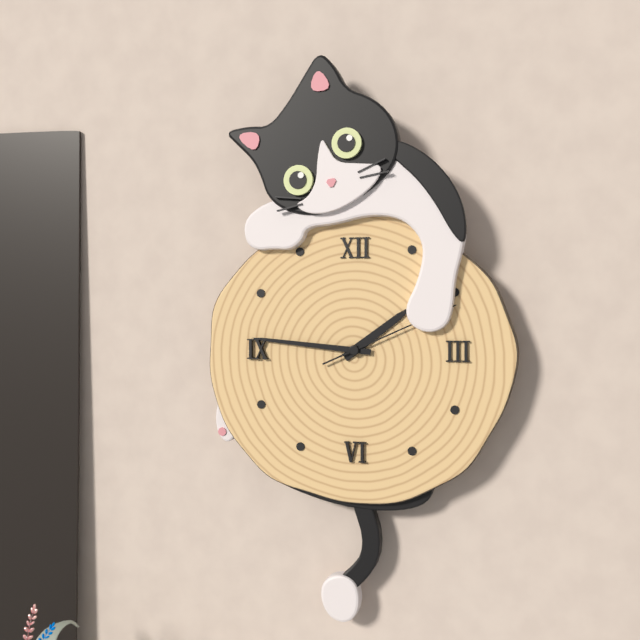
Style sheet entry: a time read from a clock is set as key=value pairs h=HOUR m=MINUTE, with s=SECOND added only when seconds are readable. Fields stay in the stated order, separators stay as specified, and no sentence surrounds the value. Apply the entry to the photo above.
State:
h=1 m=46 s=11
